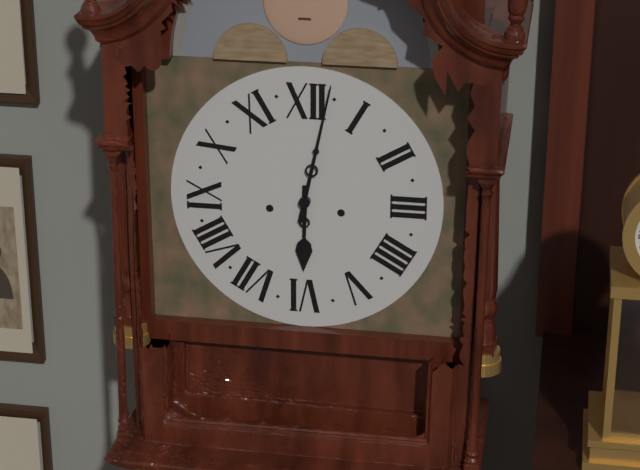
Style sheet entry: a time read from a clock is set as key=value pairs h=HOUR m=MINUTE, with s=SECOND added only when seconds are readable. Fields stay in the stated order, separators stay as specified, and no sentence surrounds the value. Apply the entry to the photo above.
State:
h=6 m=2
